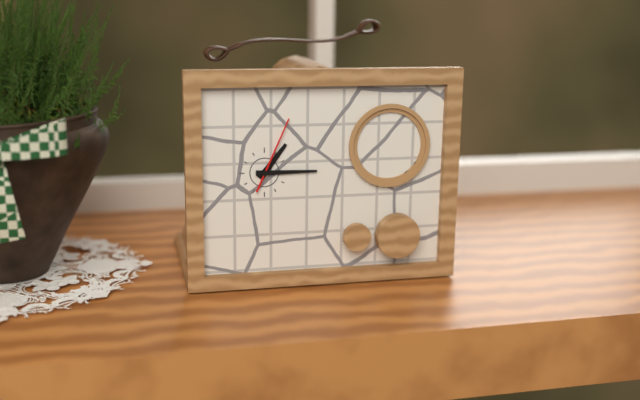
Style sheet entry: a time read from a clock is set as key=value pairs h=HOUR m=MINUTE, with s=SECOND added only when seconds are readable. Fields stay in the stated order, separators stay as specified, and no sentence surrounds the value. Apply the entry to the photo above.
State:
h=1 m=15 s=4
